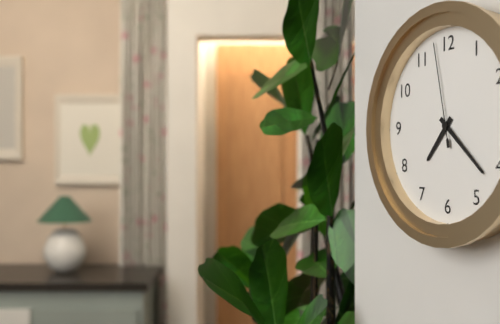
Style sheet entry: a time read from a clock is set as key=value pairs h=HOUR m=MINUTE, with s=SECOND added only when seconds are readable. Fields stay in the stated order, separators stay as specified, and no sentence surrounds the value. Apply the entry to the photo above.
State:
h=7 m=22 s=58
